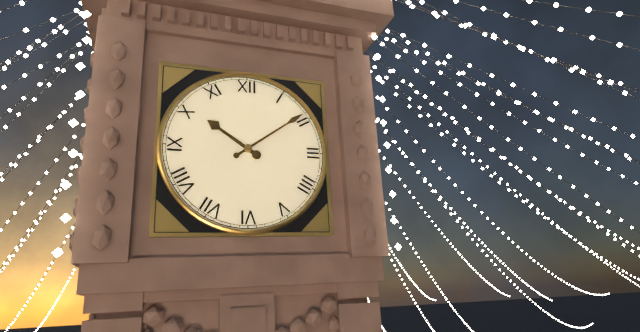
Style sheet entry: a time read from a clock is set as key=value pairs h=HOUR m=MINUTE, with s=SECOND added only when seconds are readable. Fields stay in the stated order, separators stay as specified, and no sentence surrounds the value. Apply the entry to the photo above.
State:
h=10 m=9
